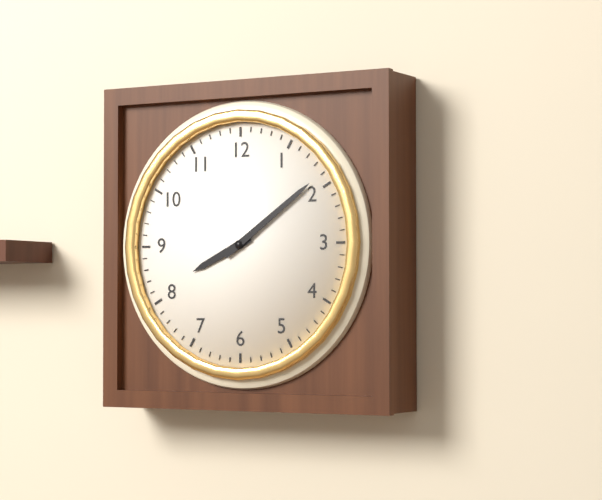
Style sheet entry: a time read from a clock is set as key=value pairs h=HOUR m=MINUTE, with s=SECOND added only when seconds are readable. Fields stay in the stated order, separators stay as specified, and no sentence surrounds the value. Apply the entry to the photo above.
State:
h=8 m=9
